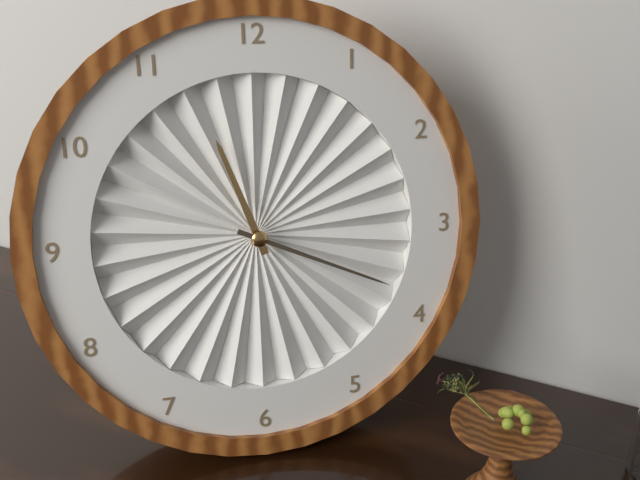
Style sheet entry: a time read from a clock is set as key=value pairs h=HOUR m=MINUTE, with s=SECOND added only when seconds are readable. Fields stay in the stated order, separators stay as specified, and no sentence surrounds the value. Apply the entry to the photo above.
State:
h=11 m=19
